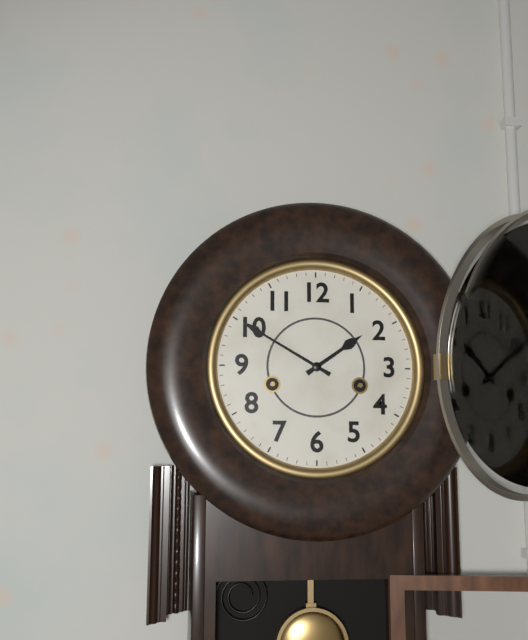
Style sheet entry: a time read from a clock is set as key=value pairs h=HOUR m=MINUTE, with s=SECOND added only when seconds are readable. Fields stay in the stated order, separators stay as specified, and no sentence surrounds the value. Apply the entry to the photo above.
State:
h=1 m=50
